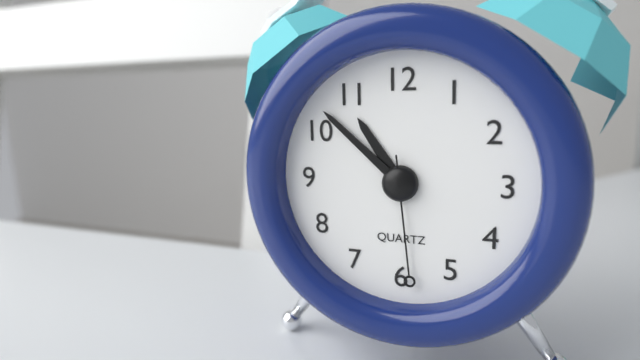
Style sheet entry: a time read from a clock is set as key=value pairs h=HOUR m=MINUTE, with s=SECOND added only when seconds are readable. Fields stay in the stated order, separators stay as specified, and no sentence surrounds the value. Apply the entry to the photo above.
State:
h=10 m=52 s=29
